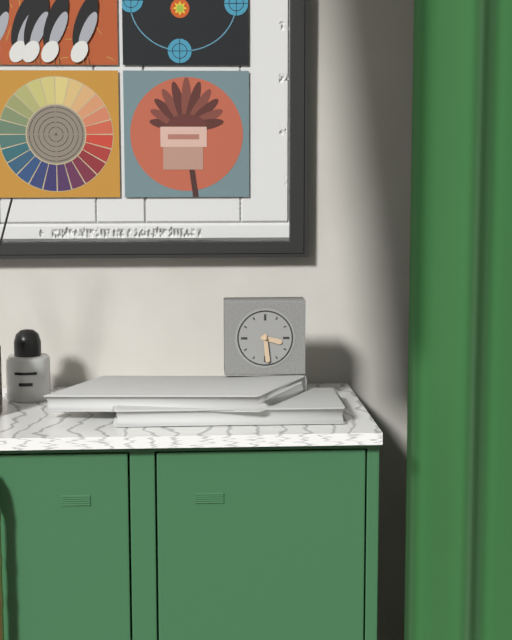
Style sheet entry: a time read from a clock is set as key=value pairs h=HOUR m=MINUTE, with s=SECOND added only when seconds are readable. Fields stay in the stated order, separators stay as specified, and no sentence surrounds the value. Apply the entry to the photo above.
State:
h=3 m=29
